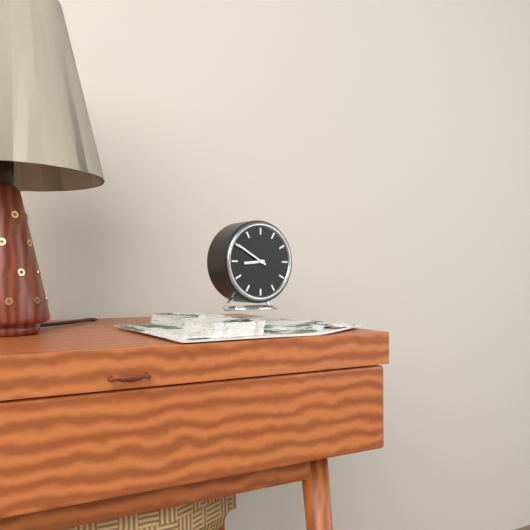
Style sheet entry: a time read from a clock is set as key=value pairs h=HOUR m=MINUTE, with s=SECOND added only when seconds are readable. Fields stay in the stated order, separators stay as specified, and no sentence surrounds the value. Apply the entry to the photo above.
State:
h=8 m=50
